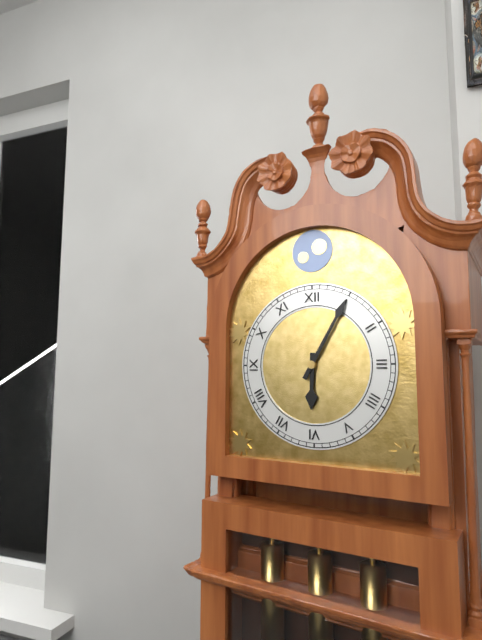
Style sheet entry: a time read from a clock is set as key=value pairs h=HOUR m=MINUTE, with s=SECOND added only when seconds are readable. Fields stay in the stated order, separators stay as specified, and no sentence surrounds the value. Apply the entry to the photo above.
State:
h=6 m=5
